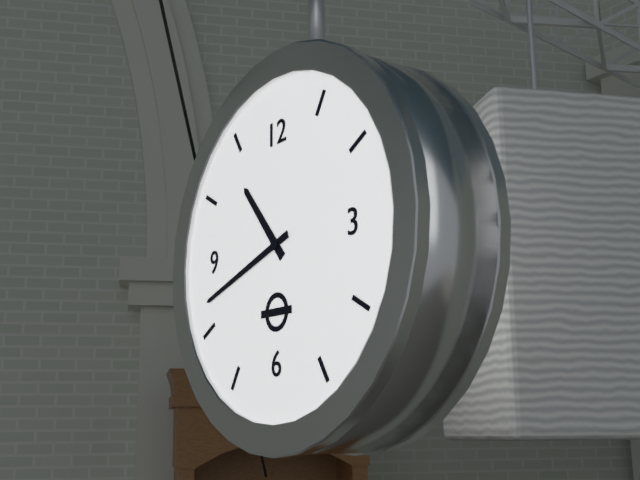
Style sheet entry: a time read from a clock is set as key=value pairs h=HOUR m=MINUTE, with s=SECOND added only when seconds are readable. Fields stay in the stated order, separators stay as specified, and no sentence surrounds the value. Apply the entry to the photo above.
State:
h=10 m=42
